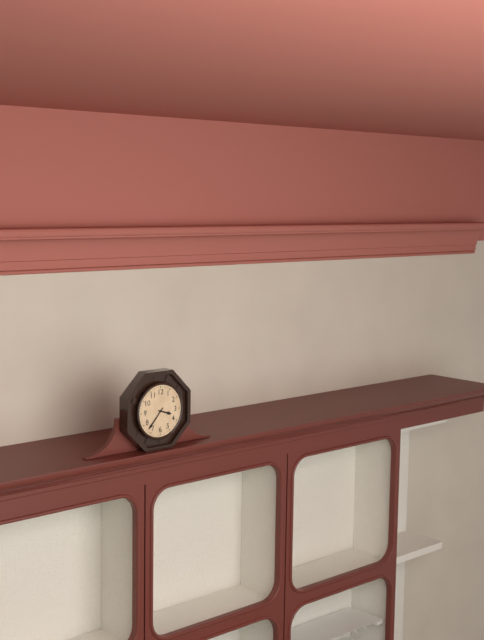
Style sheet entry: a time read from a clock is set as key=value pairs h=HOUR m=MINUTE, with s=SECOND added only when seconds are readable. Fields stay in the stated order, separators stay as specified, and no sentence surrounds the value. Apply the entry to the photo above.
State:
h=3 m=37
